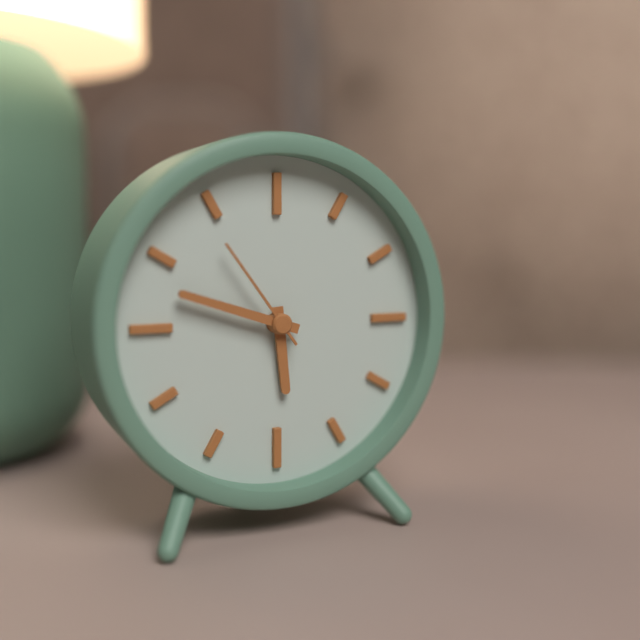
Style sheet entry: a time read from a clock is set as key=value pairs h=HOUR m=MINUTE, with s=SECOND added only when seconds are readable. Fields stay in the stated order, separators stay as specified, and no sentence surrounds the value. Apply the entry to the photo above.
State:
h=5 m=48 s=54
